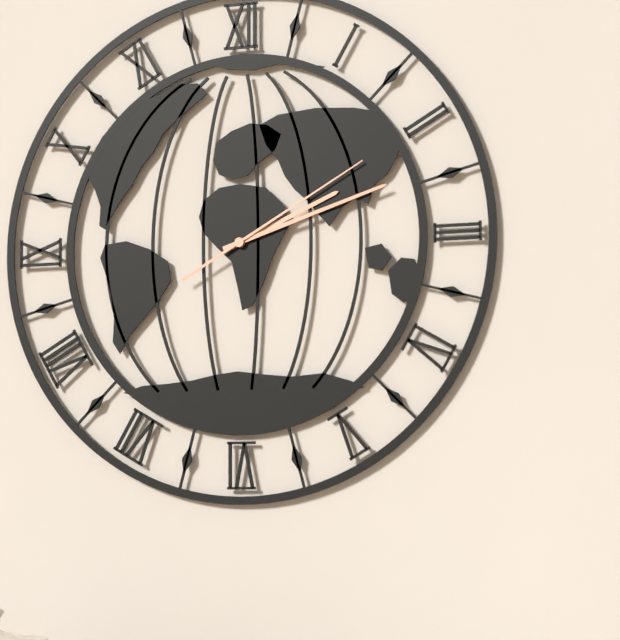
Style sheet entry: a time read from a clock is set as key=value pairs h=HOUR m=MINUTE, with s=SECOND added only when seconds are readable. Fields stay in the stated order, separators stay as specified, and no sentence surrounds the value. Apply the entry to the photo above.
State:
h=2 m=12 s=10
